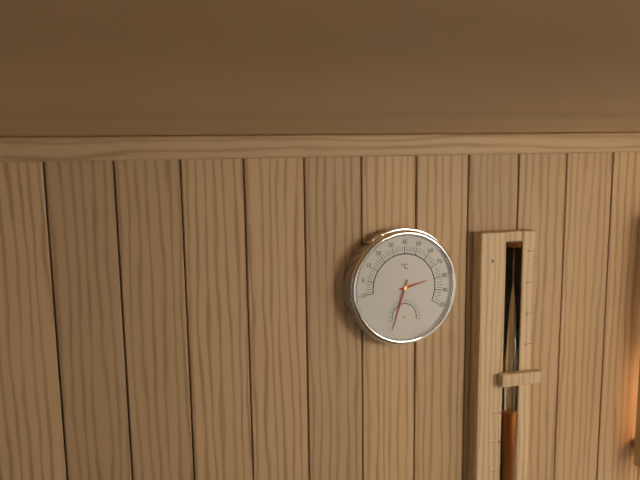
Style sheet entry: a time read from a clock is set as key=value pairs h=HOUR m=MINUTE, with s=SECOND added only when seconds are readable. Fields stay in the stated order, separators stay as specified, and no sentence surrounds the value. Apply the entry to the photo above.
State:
h=2 m=33
